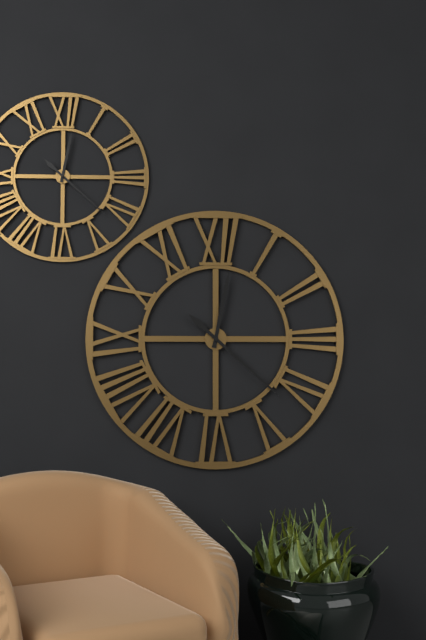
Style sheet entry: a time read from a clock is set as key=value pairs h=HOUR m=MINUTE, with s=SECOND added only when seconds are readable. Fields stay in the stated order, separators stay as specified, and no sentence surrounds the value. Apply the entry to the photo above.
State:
h=12 m=22
